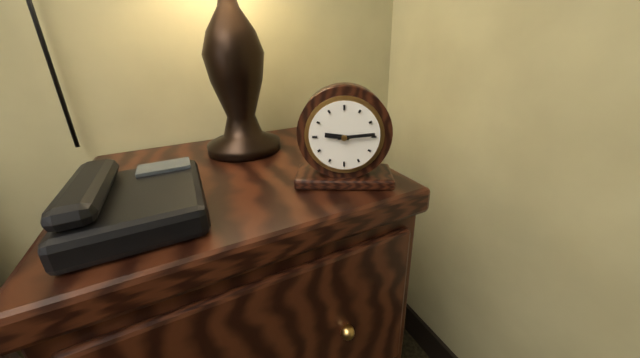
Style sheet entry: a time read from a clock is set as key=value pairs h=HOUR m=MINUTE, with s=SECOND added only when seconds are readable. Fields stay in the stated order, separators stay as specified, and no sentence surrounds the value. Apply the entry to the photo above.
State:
h=9 m=14
